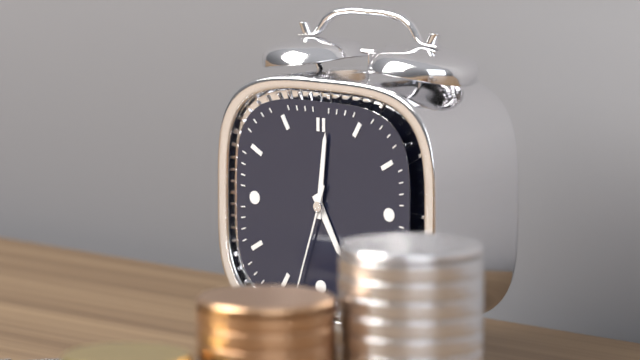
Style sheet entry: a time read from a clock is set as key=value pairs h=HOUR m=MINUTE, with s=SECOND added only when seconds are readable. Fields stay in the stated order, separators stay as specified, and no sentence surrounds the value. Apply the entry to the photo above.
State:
h=5 m=1 s=33
